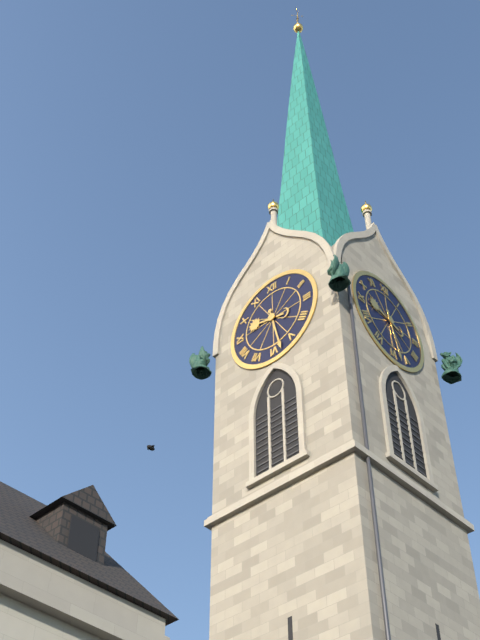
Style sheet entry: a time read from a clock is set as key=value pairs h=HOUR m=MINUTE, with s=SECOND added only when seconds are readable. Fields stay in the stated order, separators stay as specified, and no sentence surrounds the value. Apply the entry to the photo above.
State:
h=9 m=28
